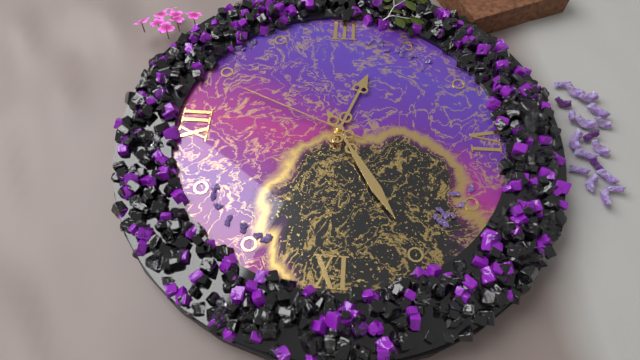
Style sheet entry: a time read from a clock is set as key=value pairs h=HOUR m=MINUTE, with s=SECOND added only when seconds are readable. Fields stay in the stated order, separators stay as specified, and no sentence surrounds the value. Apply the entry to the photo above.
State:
h=3 m=40 s=4
